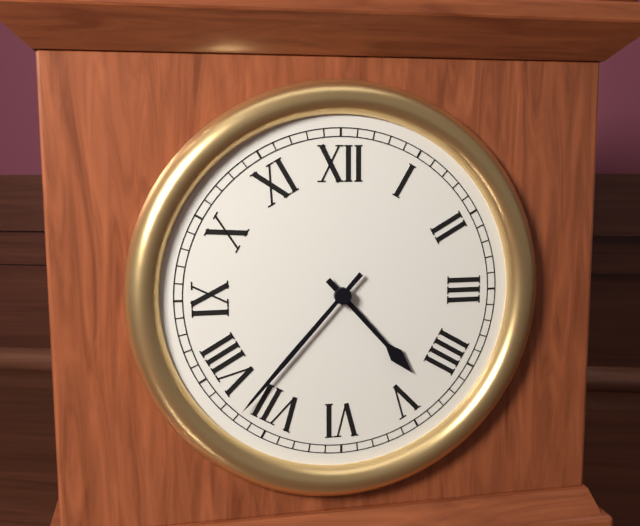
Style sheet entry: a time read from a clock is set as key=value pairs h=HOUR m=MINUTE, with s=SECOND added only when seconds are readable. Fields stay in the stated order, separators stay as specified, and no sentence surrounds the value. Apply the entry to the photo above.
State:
h=4 m=37
